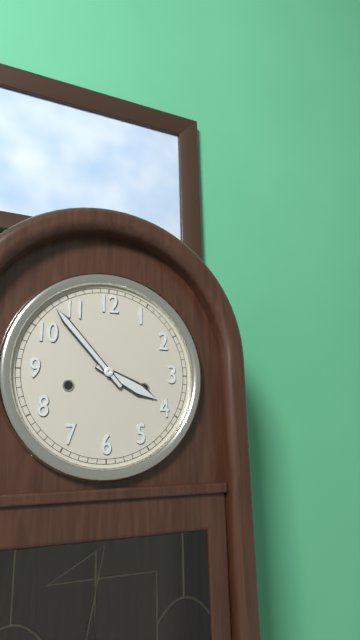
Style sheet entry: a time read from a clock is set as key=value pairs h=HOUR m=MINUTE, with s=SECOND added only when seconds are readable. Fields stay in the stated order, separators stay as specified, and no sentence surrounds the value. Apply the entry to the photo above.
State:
h=3 m=53
